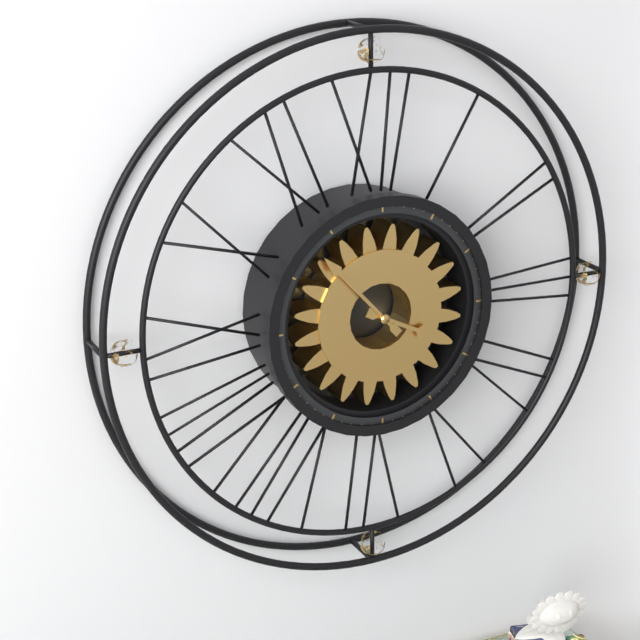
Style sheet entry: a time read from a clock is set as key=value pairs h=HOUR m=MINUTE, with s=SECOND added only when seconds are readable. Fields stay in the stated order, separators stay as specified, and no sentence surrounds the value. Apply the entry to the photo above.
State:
h=3 m=53
